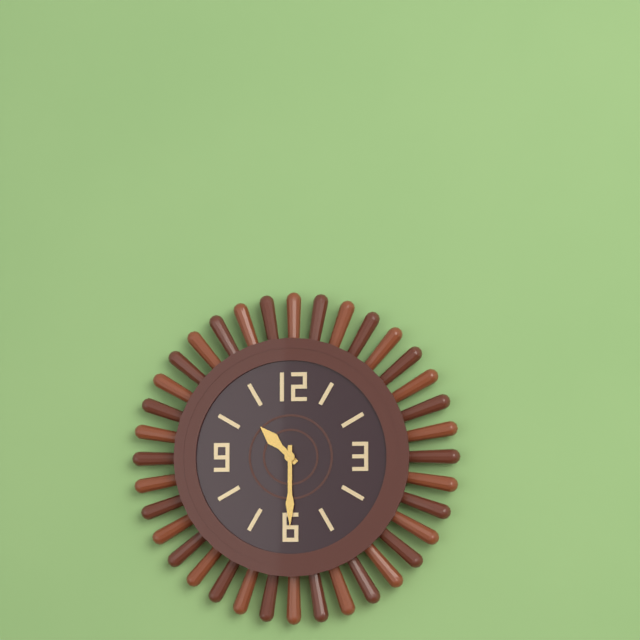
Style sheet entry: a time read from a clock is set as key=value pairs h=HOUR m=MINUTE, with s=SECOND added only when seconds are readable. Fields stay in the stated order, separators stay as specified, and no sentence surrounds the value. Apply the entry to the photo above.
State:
h=10 m=30
